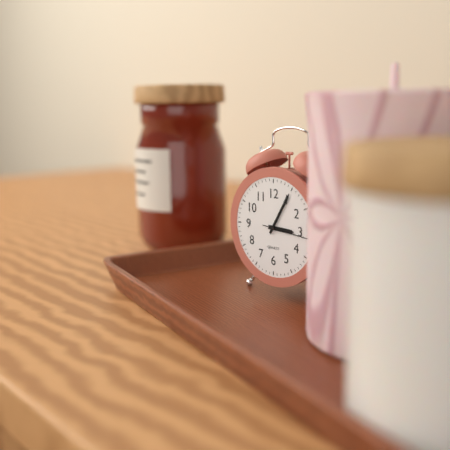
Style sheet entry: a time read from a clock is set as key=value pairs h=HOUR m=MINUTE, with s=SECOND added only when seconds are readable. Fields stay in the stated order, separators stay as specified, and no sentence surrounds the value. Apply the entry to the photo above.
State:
h=3 m=5
